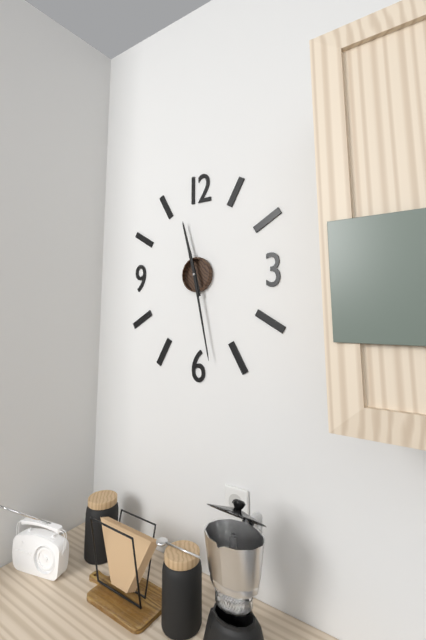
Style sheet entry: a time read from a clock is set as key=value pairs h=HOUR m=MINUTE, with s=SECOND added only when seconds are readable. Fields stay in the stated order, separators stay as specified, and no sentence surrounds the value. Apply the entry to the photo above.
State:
h=11 m=28
